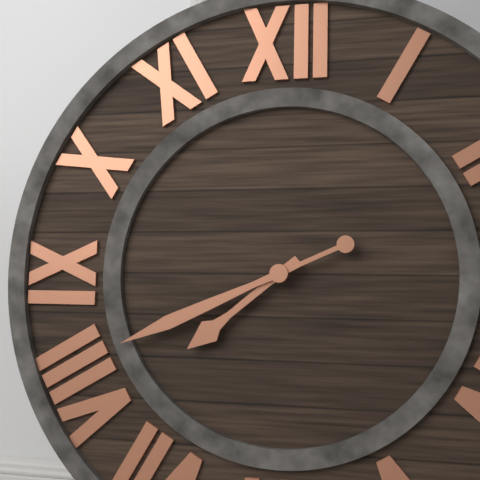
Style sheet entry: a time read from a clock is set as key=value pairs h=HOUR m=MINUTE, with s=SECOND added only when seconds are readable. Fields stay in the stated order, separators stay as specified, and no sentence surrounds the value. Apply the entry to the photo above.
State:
h=7 m=41
